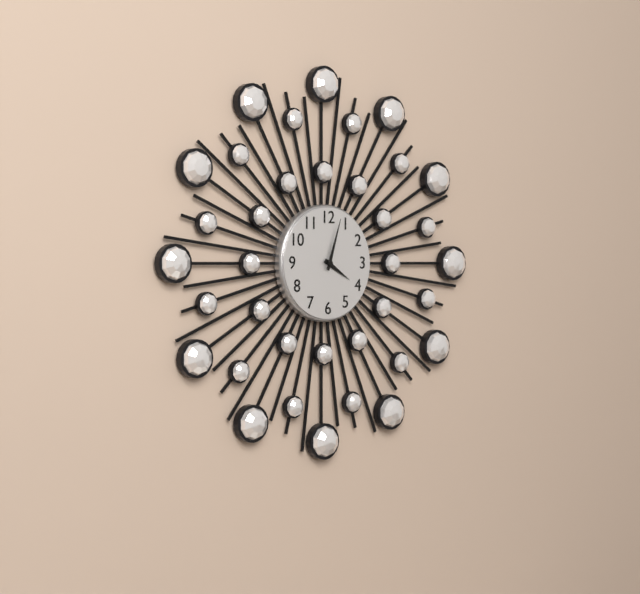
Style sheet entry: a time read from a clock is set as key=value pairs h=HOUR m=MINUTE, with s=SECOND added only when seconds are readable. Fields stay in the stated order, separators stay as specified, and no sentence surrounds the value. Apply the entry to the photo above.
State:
h=4 m=3
